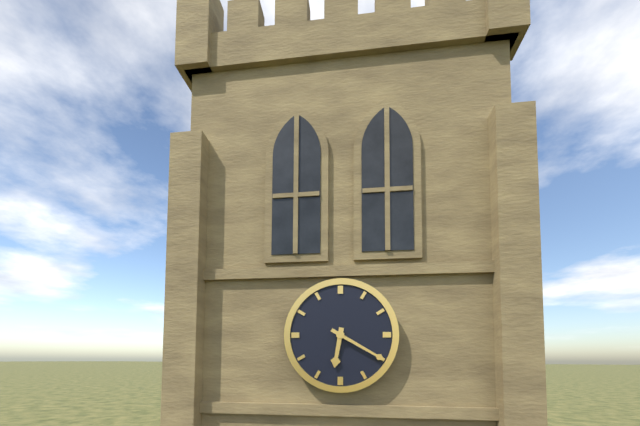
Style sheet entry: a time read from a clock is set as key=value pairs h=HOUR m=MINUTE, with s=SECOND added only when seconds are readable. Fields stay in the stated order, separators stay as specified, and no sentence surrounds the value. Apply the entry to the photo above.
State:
h=6 m=20
